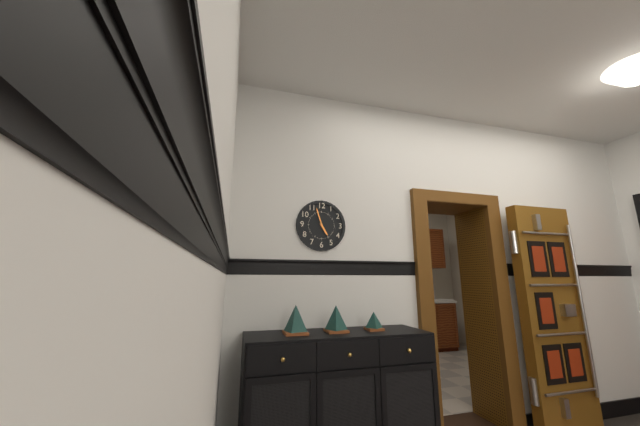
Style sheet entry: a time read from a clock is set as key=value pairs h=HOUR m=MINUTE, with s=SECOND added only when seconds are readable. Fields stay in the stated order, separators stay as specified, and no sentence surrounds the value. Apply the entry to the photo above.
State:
h=4 m=57
